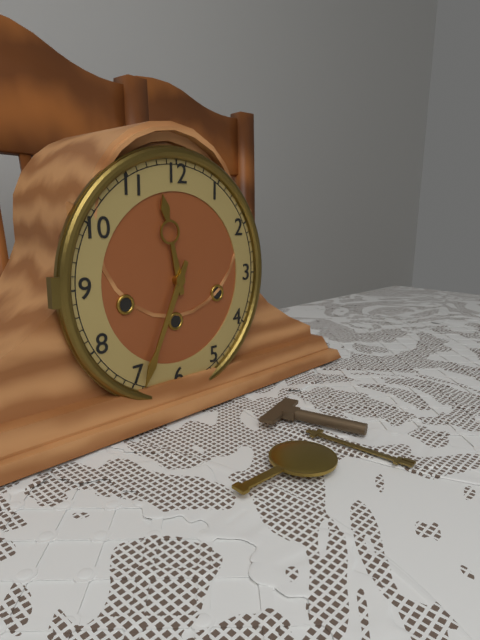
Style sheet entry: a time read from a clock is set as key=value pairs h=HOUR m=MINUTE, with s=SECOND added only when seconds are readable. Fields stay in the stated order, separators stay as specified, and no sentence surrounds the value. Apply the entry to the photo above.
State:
h=11 m=34
